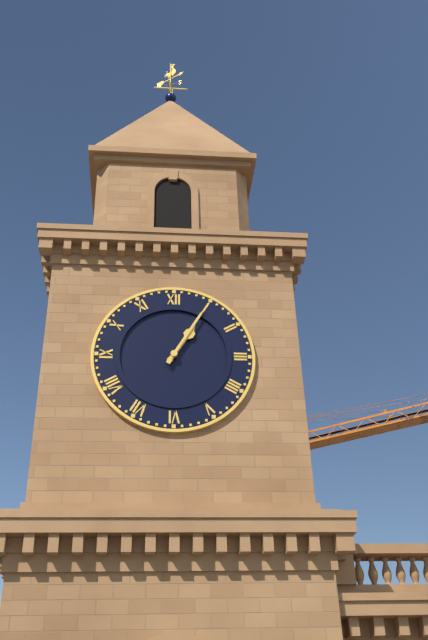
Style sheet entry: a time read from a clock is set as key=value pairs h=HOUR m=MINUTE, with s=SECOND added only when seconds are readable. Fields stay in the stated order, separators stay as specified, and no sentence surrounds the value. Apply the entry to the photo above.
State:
h=1 m=5
